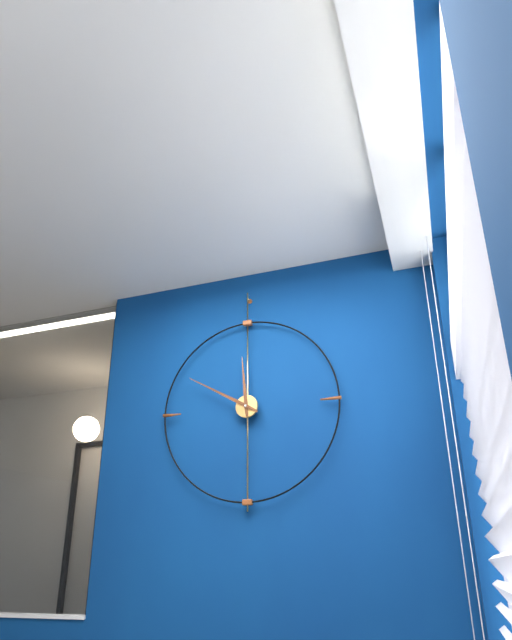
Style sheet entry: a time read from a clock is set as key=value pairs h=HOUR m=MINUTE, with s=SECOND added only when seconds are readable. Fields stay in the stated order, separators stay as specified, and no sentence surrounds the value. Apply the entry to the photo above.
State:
h=11 m=50
